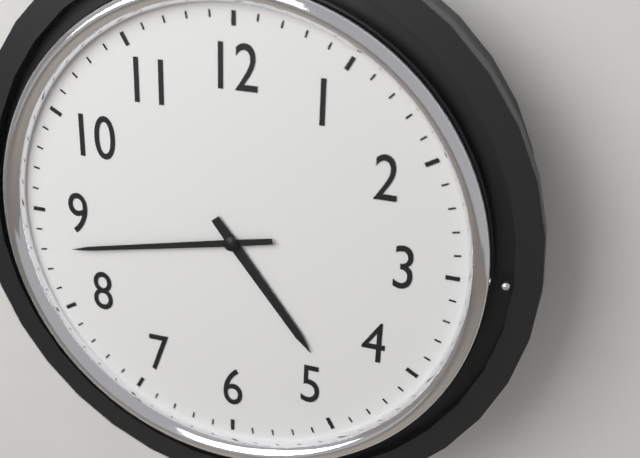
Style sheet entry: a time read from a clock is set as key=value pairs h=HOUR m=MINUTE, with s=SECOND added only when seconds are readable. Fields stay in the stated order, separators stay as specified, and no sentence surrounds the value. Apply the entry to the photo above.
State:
h=4 m=43
